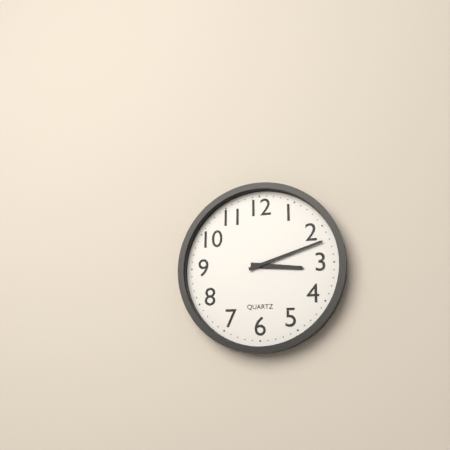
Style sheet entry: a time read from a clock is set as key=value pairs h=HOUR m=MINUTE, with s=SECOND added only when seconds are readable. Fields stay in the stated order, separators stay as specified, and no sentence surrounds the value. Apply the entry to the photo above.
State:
h=3 m=12
